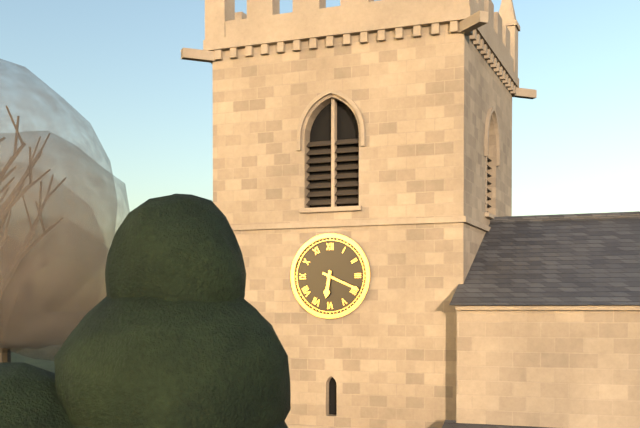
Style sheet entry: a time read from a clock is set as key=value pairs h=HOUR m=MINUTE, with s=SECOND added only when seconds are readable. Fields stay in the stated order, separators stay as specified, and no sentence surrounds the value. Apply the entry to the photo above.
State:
h=6 m=19
